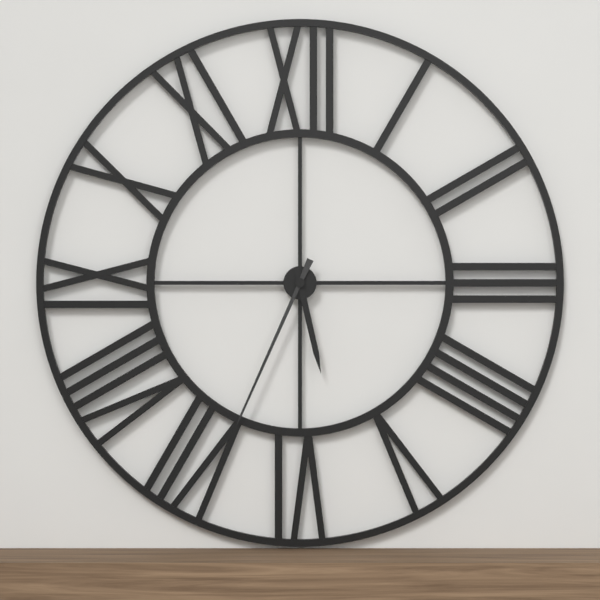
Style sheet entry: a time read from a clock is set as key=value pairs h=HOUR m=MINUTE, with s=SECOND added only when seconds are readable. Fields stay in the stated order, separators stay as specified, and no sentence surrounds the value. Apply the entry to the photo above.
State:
h=5 m=34
